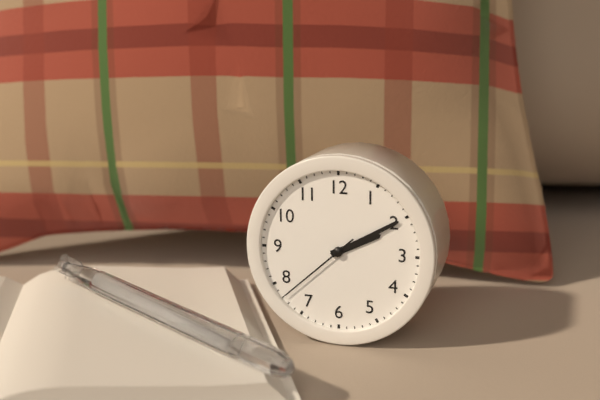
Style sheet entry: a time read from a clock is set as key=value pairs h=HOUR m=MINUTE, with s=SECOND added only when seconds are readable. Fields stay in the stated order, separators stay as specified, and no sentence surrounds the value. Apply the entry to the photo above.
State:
h=2 m=10 s=38
